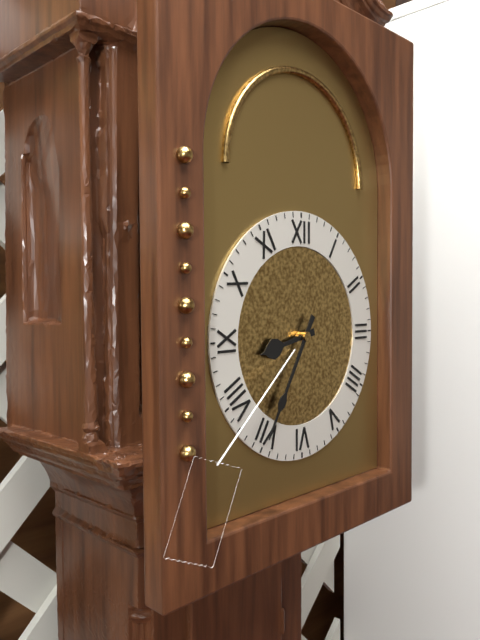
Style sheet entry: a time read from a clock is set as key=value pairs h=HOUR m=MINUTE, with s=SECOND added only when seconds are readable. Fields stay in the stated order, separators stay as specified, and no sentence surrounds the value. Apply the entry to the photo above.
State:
h=8 m=35
